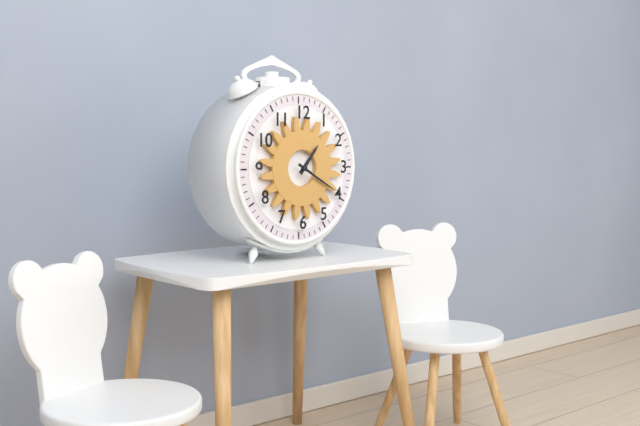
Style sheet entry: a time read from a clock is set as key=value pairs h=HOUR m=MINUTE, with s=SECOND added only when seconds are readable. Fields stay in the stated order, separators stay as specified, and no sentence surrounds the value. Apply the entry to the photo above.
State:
h=1 m=20
